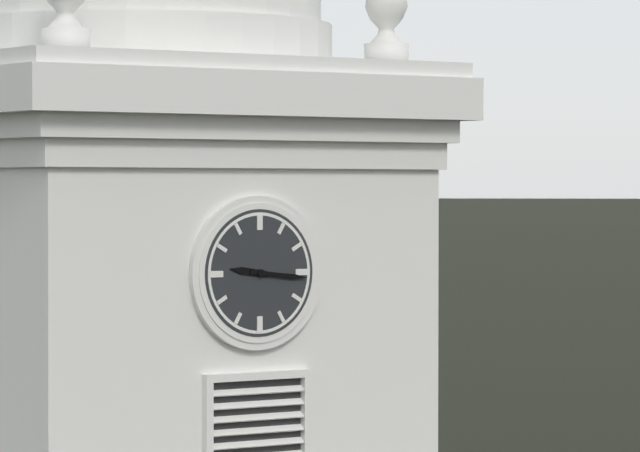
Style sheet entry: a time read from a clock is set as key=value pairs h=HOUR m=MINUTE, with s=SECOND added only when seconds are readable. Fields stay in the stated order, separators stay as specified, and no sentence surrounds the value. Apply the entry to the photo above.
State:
h=9 m=16
